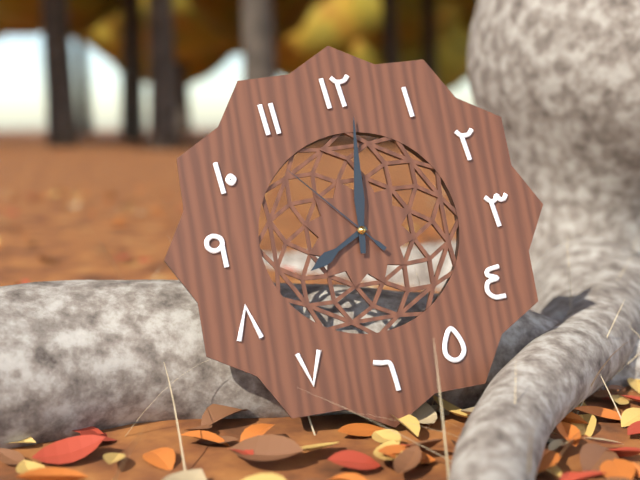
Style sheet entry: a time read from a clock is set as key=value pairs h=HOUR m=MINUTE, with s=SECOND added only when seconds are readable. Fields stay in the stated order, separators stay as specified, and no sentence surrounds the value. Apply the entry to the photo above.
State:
h=8 m=1 s=53
